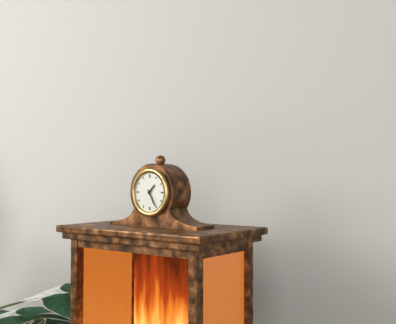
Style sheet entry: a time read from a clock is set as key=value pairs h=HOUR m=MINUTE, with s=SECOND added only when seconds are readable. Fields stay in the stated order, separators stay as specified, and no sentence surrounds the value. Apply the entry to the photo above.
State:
h=1 m=25
